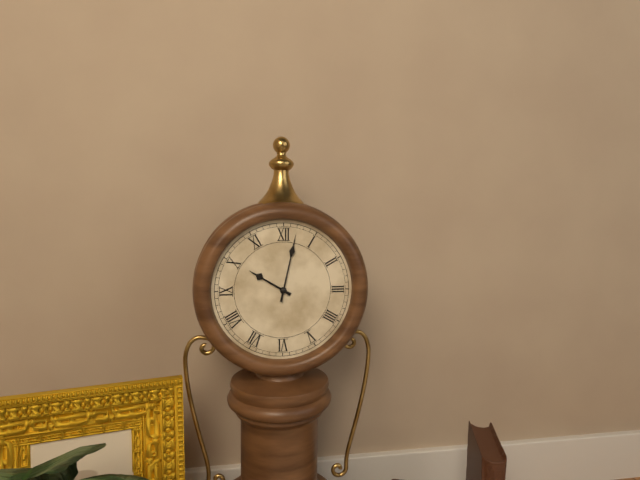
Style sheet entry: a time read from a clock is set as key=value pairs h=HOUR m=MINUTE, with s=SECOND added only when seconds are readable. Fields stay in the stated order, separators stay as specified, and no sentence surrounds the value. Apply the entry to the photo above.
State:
h=10 m=2
